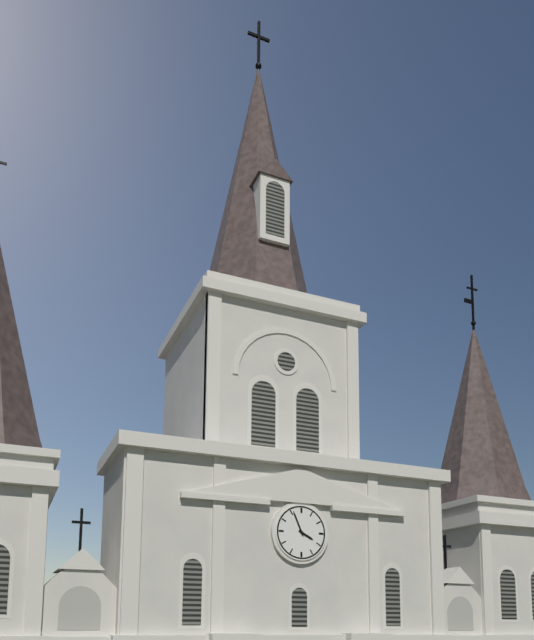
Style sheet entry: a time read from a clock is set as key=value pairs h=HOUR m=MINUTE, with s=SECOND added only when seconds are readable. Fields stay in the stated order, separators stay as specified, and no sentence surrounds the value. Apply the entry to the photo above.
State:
h=3 m=56
